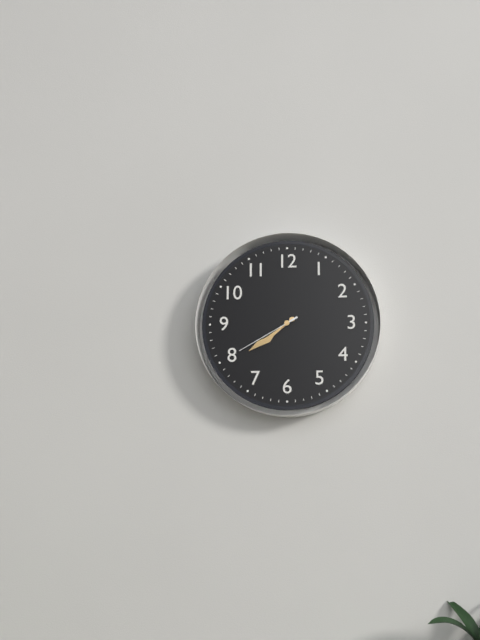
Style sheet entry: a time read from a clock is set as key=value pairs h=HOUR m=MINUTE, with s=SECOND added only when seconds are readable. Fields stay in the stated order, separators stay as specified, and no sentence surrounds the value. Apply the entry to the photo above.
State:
h=7 m=39 s=40
